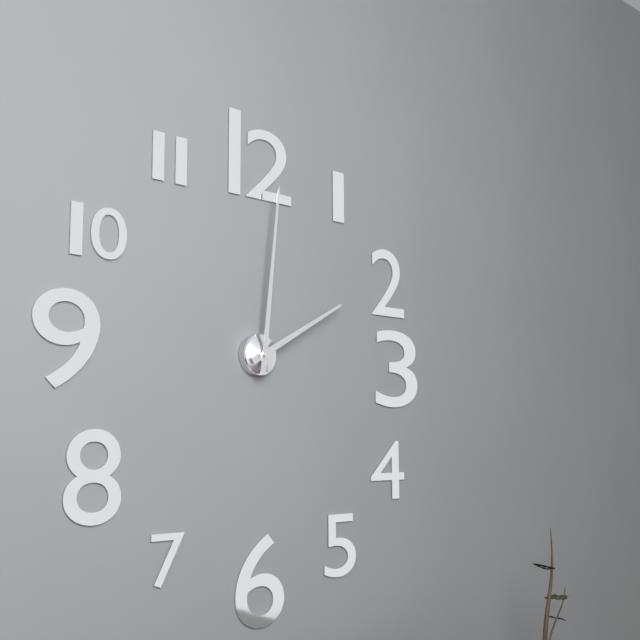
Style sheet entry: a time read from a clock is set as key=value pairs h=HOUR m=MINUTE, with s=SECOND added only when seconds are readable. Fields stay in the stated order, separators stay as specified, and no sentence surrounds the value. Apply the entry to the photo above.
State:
h=2 m=1
